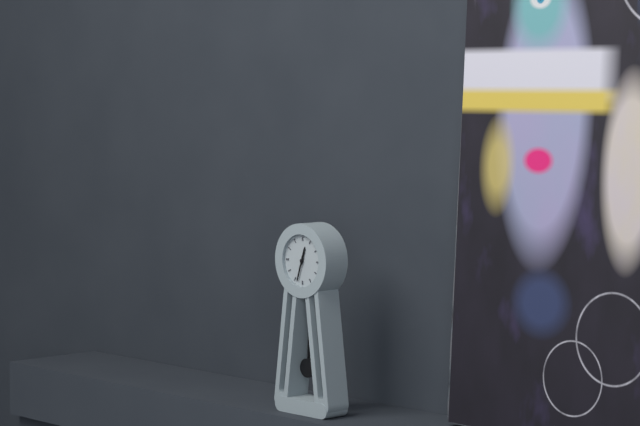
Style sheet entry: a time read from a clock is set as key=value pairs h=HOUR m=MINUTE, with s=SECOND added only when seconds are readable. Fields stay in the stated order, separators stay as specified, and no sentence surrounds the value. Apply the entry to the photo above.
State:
h=12 m=33
